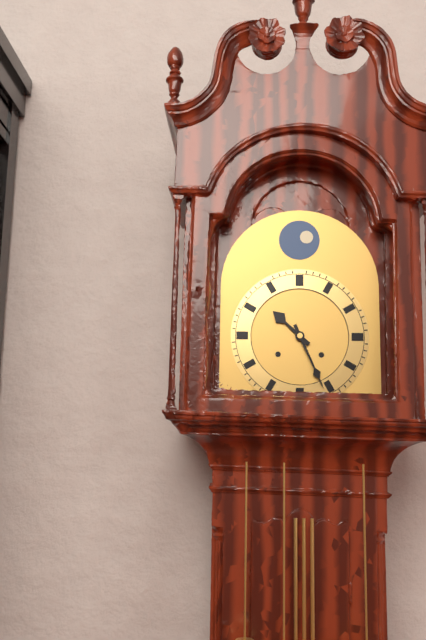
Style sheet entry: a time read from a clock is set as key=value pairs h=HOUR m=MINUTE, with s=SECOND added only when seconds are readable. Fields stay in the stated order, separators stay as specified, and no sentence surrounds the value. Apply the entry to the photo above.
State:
h=10 m=26
